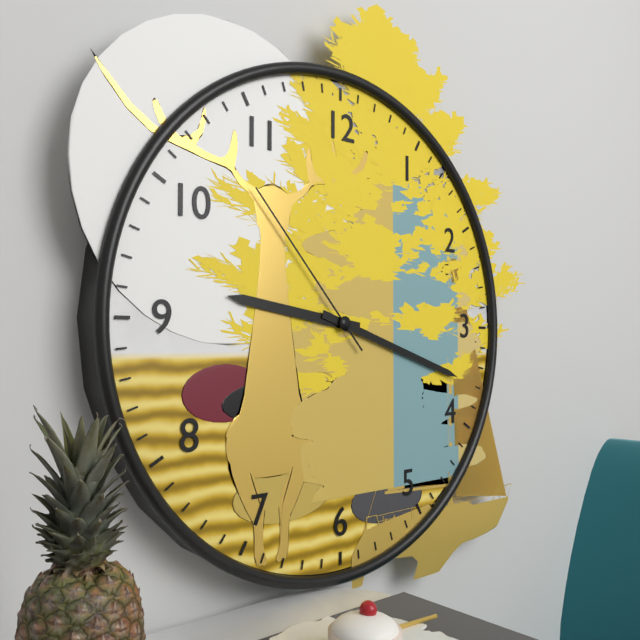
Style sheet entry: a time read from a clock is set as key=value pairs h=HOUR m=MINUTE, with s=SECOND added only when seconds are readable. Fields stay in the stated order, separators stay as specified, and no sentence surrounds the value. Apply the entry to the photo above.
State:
h=9 m=18 s=53
